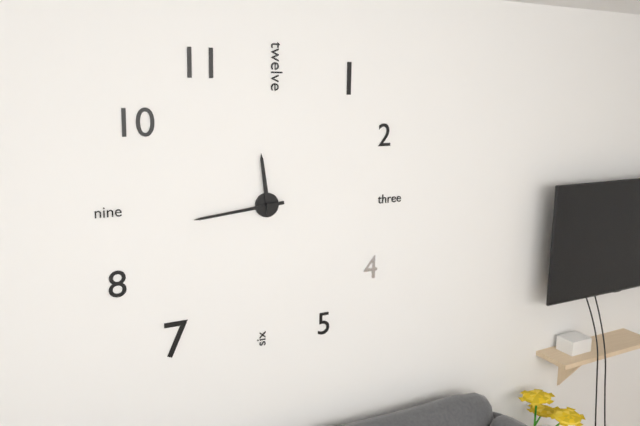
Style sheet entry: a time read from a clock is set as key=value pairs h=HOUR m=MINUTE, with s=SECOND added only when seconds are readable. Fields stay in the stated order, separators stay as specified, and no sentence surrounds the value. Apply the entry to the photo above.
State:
h=11 m=44
